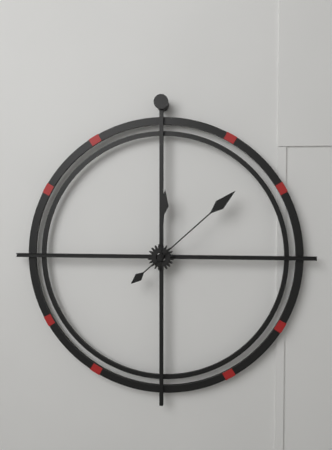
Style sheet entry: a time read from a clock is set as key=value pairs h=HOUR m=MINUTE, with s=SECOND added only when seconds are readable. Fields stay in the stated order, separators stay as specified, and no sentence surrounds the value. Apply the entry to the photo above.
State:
h=12 m=8
